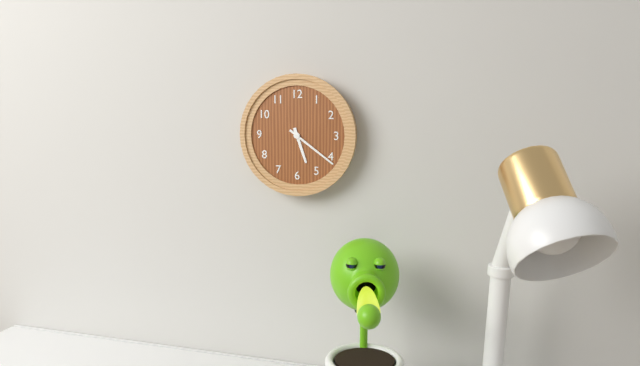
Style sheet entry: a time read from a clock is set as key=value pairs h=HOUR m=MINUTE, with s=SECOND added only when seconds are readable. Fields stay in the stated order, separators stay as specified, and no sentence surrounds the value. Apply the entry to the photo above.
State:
h=5 m=21
